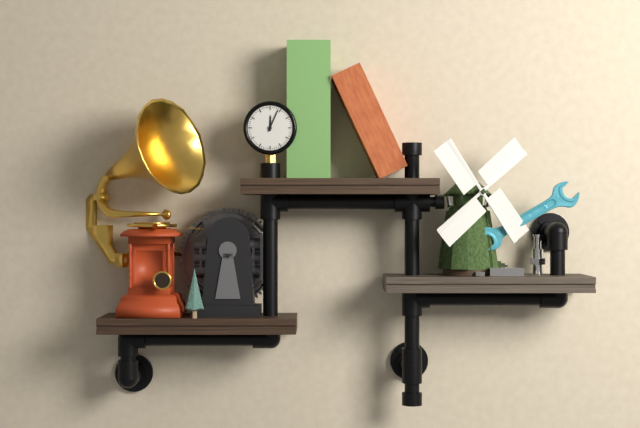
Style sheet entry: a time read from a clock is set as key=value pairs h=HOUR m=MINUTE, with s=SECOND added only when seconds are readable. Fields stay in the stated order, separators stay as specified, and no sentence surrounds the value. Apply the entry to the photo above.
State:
h=12 m=4
